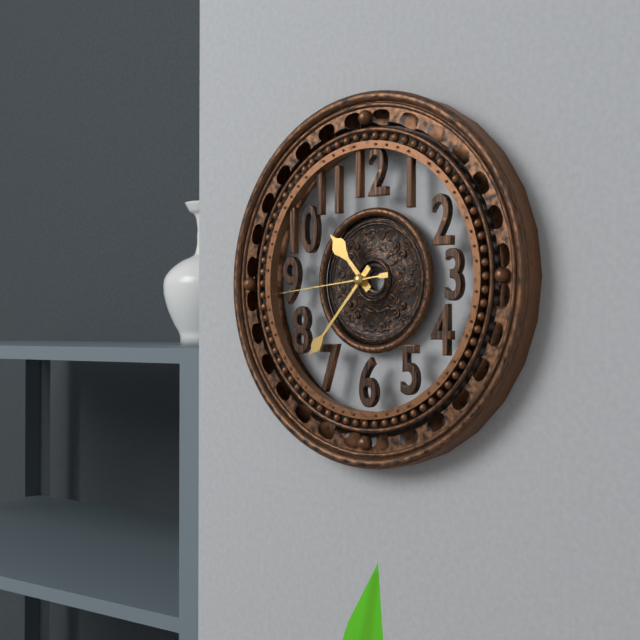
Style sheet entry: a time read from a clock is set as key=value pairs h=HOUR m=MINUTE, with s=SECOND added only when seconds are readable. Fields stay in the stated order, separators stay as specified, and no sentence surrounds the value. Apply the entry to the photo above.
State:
h=10 m=37 s=44
